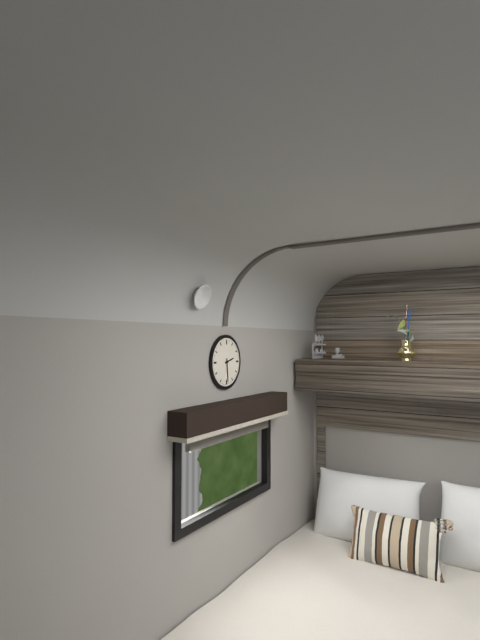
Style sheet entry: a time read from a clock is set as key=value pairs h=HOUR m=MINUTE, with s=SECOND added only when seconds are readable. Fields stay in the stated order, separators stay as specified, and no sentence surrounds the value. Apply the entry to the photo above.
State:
h=2 m=29
